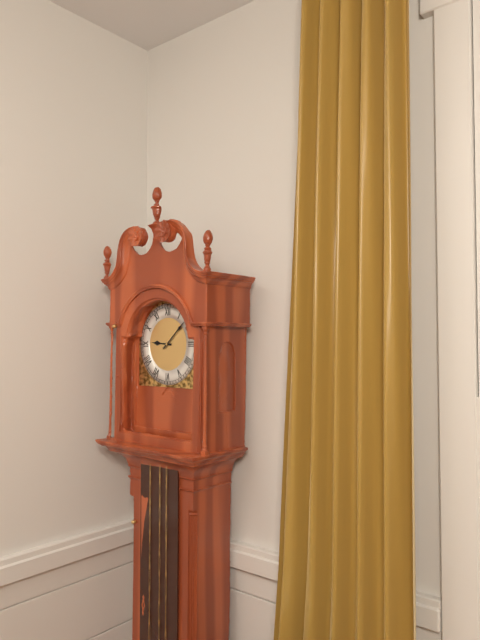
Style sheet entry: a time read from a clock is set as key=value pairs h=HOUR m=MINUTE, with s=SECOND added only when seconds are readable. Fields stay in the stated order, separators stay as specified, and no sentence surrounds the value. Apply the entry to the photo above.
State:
h=9 m=8
